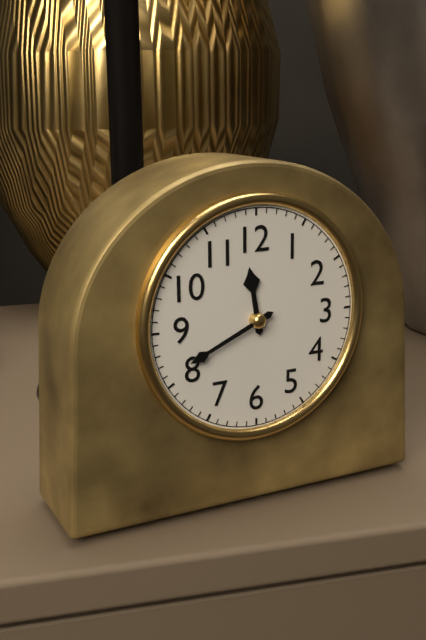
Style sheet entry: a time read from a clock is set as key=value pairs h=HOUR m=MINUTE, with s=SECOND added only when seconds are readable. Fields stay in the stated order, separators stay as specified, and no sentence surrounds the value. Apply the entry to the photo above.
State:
h=11 m=41
